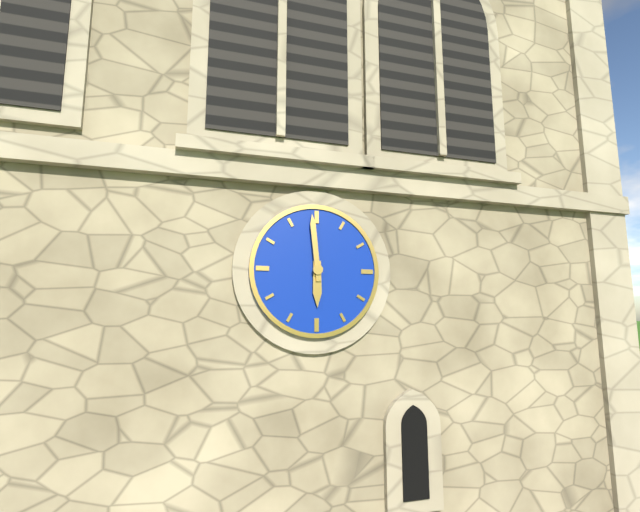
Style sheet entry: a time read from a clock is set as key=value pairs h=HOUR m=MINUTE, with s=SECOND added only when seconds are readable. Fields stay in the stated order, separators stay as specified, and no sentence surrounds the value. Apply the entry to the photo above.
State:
h=5 m=59
